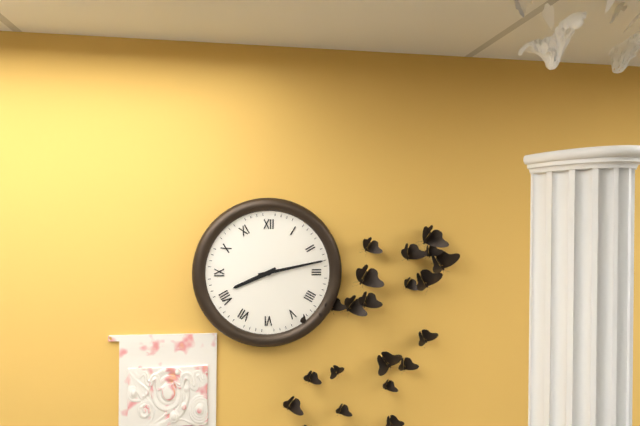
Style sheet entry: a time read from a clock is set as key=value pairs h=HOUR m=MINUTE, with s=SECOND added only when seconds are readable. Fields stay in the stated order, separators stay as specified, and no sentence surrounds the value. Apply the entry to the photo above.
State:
h=8 m=13
